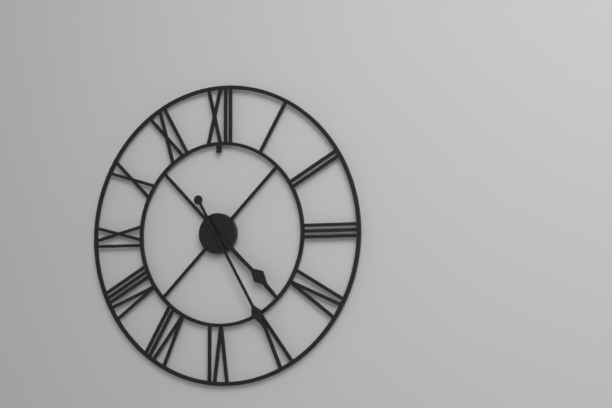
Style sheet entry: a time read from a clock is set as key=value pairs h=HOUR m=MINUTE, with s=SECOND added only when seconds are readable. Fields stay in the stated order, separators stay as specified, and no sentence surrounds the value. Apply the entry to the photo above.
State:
h=4 m=25
